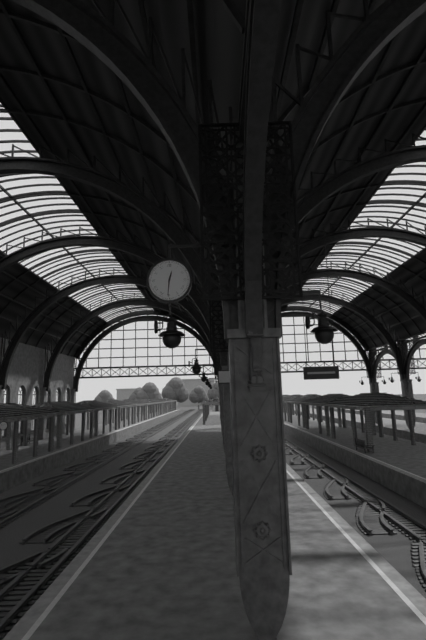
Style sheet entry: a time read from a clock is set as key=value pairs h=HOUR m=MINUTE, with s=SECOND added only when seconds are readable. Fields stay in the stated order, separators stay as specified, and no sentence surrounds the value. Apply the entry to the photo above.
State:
h=12 m=31
